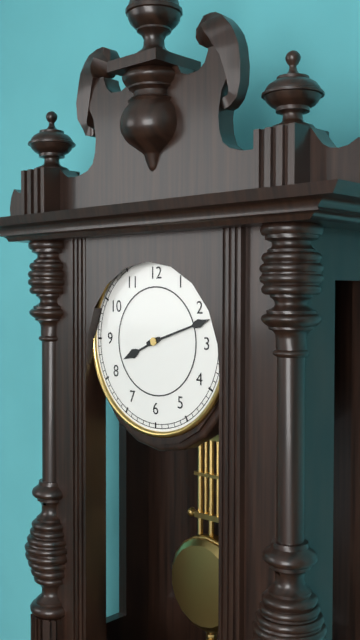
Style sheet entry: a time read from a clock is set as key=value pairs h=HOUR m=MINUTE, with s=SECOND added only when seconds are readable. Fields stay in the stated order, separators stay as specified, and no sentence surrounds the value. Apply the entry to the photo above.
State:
h=8 m=12
